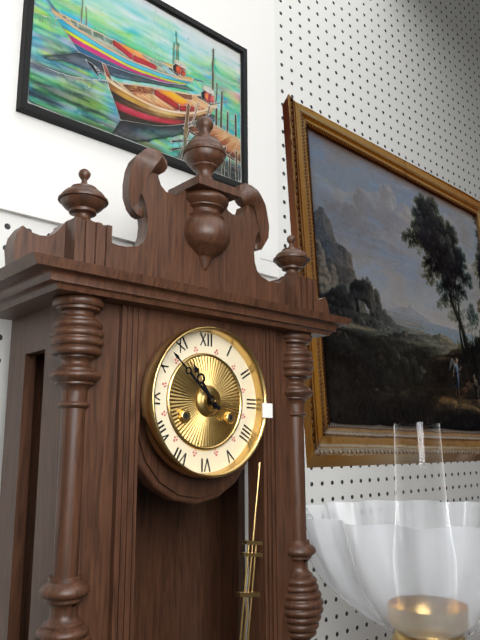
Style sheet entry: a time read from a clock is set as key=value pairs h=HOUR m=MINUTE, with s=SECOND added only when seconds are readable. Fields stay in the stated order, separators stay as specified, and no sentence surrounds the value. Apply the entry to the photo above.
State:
h=10 m=52
